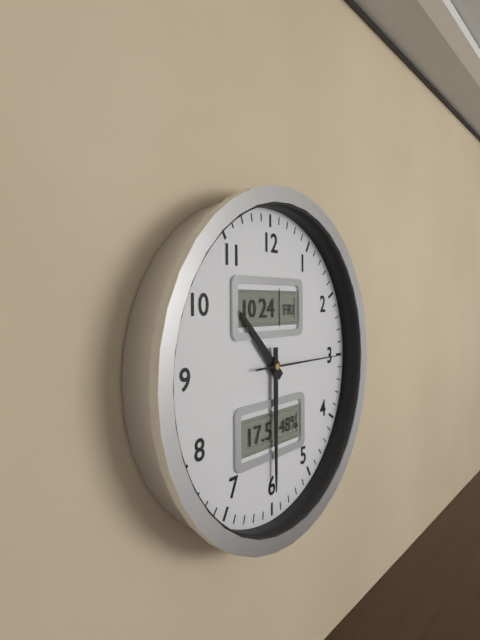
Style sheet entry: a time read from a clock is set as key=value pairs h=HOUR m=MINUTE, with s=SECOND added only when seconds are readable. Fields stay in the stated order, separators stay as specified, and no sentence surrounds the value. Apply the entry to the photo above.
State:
h=10 m=30 s=15
